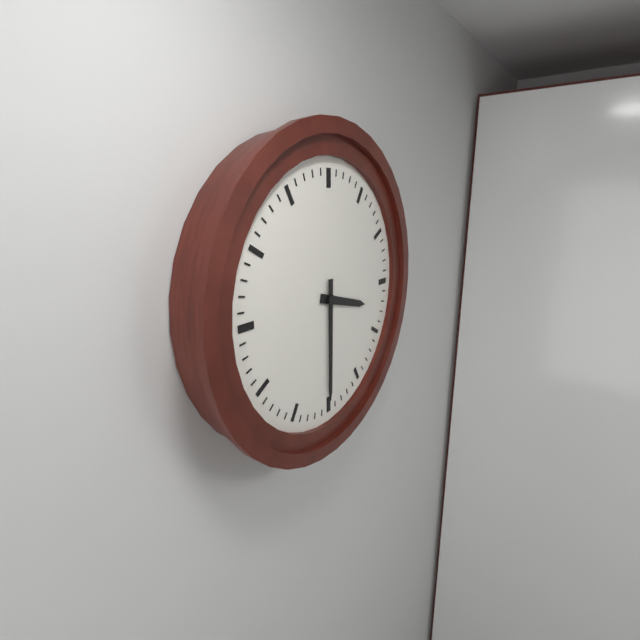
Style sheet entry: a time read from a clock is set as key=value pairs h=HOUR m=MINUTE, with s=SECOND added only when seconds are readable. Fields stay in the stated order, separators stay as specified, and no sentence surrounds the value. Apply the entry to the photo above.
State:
h=3 m=30
